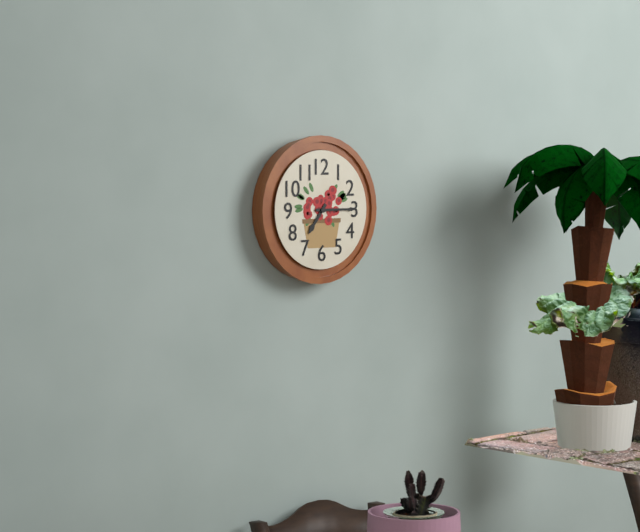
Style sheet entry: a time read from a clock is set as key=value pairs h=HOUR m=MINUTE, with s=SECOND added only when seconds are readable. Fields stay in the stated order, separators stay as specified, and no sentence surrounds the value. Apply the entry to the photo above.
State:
h=7 m=15
